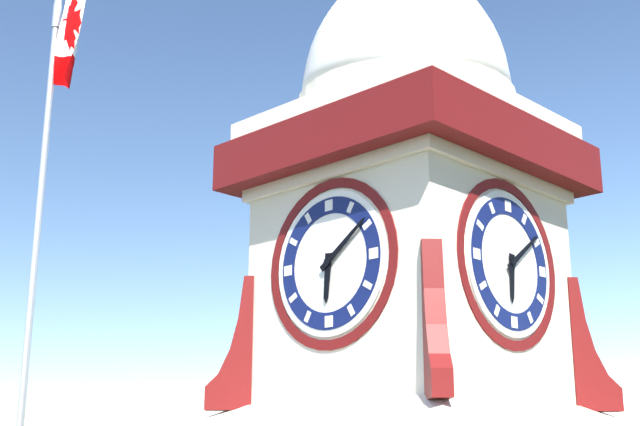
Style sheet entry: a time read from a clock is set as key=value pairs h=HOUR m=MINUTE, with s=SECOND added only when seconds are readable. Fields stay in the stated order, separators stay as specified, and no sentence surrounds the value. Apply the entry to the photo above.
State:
h=6 m=9
